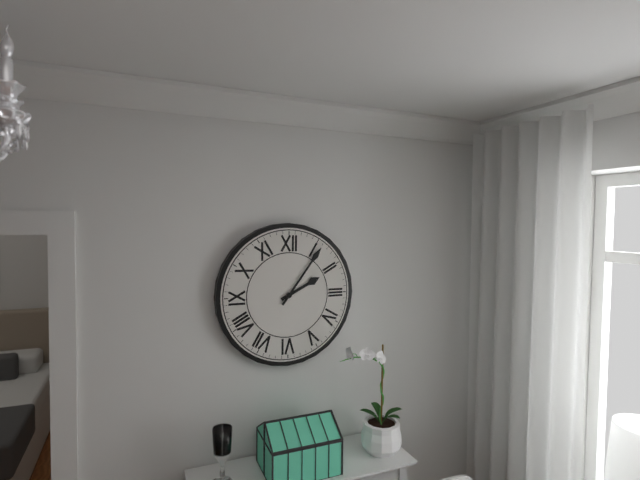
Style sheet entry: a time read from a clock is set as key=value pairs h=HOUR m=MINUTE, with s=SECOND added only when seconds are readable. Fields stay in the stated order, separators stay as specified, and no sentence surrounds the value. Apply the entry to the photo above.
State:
h=2 m=6
